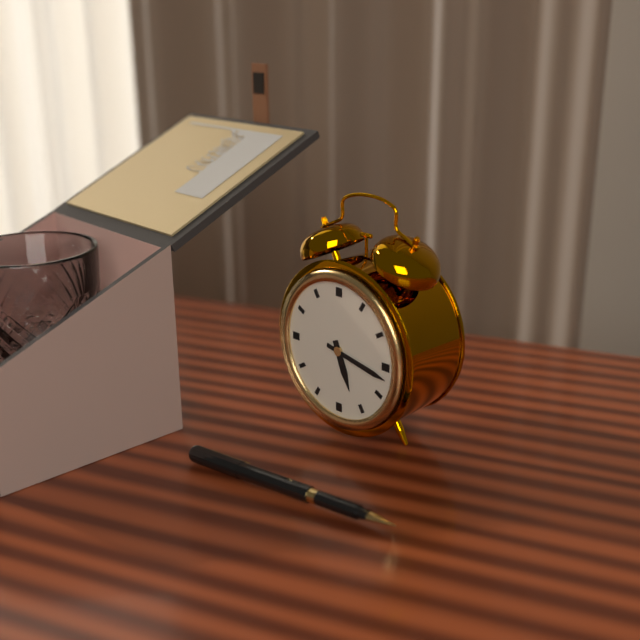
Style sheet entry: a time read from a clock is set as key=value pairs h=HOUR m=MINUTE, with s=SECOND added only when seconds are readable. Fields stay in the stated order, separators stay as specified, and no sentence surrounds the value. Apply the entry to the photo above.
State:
h=5 m=17
